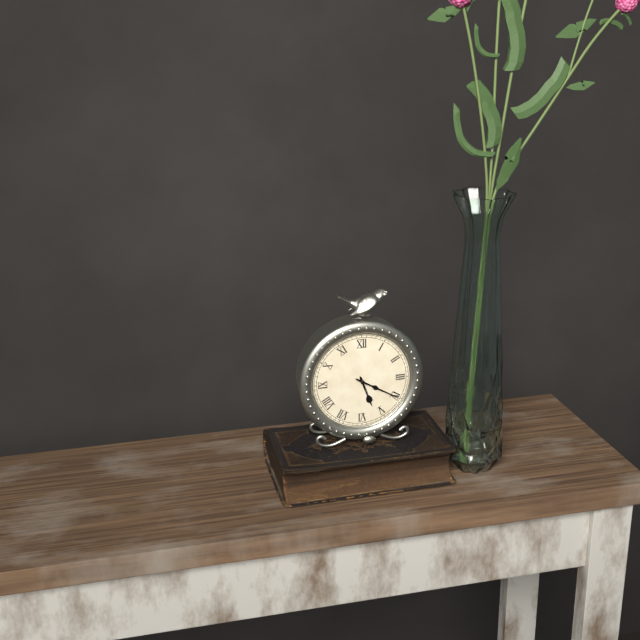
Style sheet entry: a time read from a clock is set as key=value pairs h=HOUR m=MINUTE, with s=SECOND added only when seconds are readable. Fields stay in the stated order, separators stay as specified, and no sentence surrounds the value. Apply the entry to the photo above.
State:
h=5 m=20
